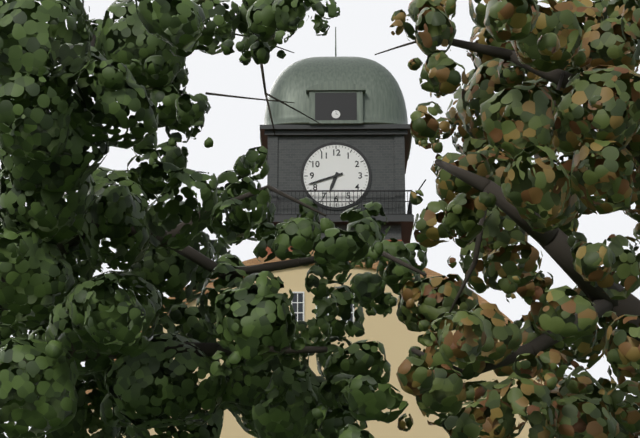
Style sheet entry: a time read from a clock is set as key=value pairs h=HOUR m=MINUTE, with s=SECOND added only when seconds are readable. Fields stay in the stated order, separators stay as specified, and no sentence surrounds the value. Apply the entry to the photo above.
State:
h=6 m=42
